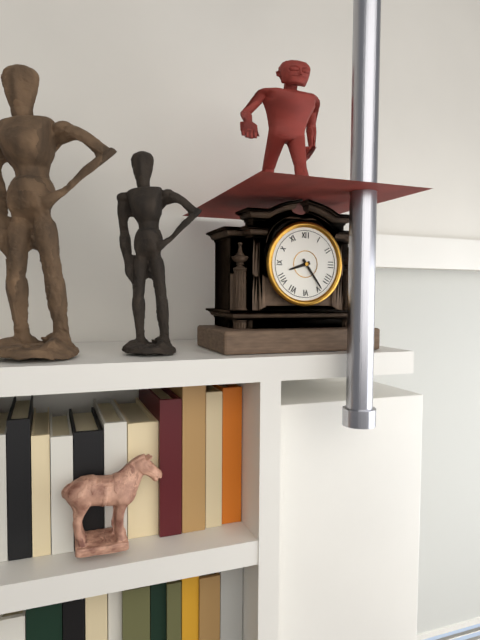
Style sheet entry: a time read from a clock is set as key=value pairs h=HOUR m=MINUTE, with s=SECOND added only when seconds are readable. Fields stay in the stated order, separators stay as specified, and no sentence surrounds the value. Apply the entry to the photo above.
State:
h=8 m=24
